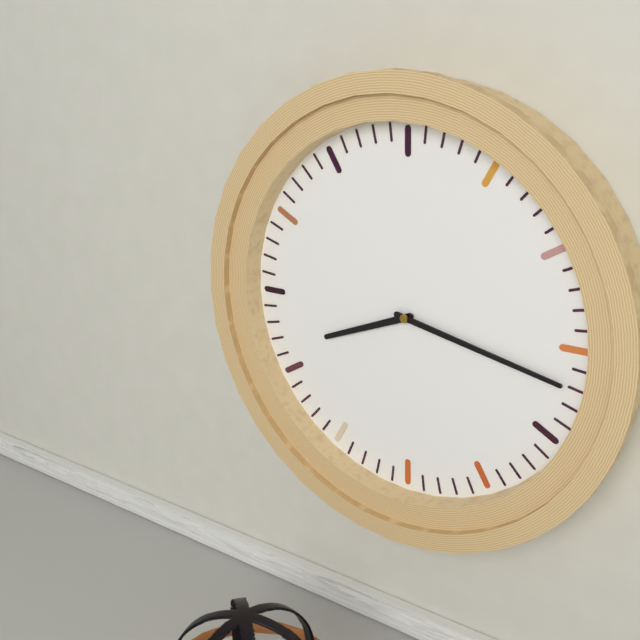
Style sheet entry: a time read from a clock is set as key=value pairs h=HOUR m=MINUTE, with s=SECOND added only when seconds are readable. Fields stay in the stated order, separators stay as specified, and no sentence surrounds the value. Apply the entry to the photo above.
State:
h=8 m=17
